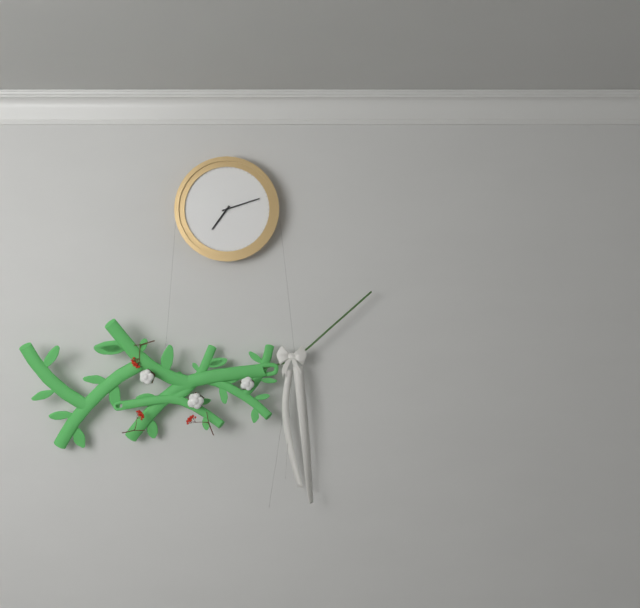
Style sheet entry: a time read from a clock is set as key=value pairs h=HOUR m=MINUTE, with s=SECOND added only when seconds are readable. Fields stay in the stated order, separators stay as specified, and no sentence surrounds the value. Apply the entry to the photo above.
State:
h=7 m=12
